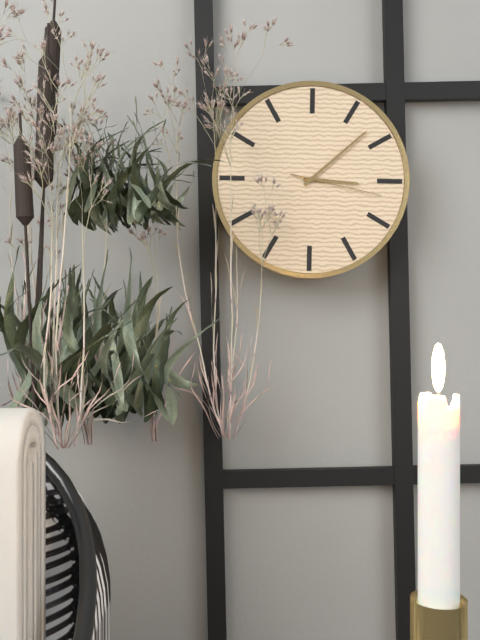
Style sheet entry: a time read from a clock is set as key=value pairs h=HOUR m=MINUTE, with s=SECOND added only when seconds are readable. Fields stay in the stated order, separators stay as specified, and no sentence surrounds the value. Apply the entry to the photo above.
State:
h=3 m=8 s=17
